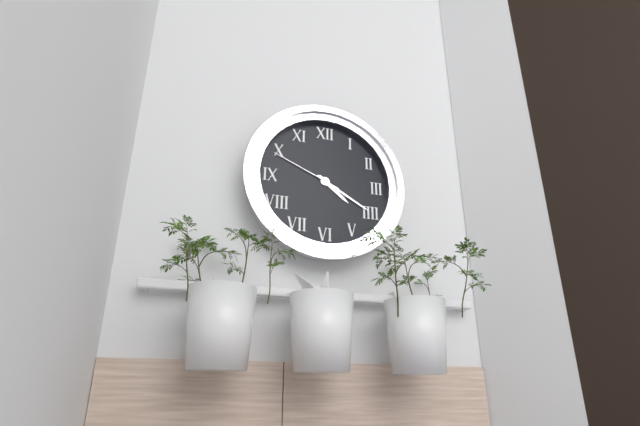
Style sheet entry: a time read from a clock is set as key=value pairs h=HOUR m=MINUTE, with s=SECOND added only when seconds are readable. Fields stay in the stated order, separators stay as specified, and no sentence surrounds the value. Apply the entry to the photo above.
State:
h=4 m=20 s=49
